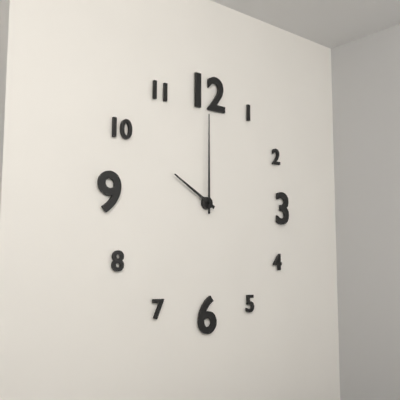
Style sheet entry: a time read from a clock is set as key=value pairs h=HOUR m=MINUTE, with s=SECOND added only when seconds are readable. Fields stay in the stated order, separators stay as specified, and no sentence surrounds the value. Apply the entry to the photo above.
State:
h=10 m=0
